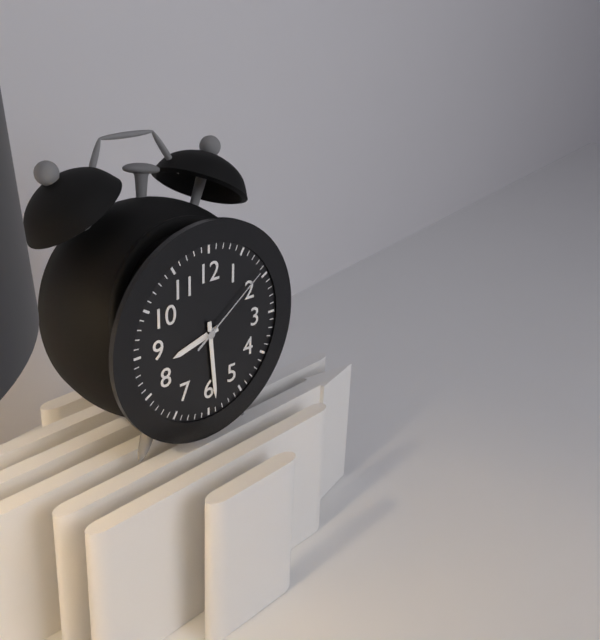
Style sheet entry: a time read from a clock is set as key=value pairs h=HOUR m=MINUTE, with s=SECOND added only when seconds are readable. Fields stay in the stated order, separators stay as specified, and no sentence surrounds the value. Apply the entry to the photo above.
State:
h=8 m=29 s=9
